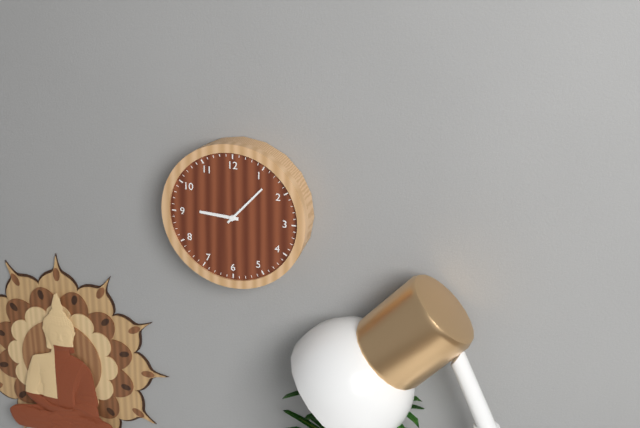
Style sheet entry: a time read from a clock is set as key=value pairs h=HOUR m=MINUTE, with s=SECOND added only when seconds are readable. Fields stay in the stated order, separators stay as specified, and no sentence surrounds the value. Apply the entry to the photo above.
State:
h=9 m=7
